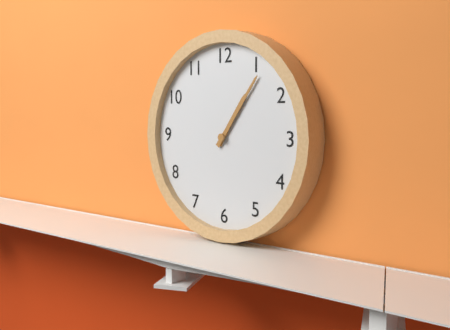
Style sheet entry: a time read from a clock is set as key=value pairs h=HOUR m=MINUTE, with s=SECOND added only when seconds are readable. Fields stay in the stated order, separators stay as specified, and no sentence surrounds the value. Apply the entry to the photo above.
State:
h=1 m=6
